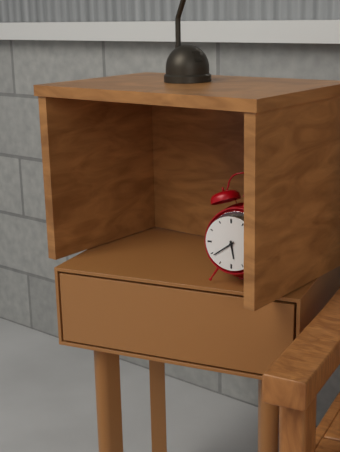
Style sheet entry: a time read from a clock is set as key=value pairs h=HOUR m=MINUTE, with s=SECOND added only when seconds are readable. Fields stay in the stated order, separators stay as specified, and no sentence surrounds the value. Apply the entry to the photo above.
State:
h=5 m=39
